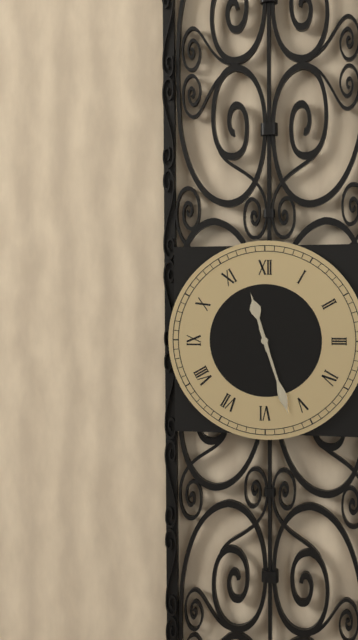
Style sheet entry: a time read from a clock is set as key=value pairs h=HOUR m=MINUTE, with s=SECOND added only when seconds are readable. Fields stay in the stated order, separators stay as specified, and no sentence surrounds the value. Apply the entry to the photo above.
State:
h=11 m=27
